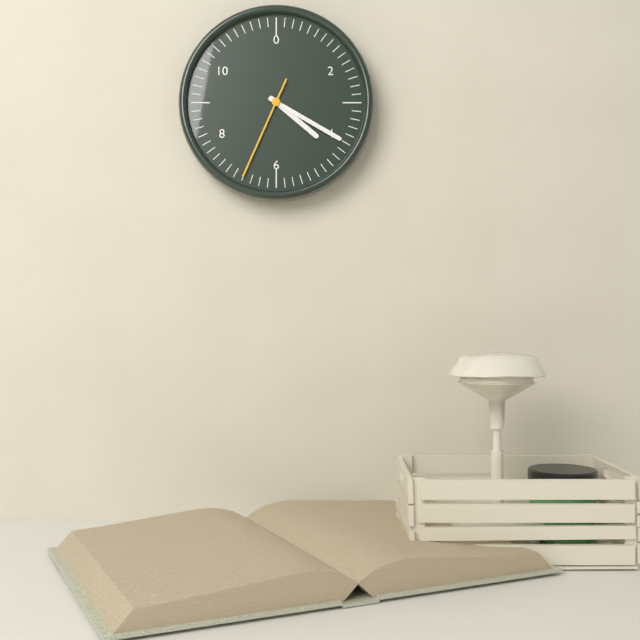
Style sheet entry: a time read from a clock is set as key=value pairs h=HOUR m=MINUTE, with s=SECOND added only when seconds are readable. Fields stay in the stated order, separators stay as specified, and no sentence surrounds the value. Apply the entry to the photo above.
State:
h=4 m=20 s=34
